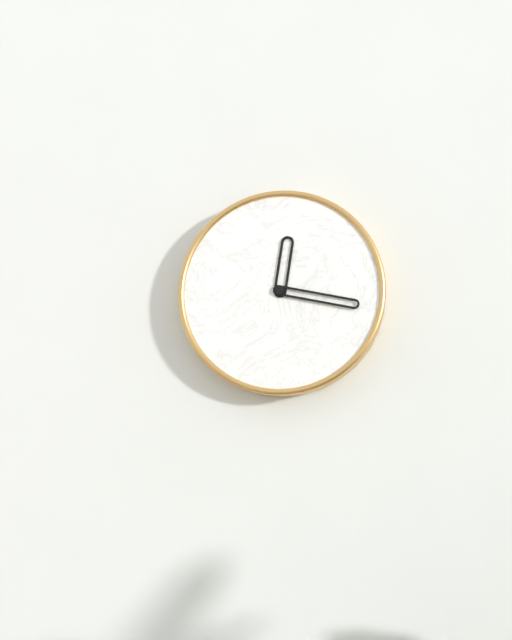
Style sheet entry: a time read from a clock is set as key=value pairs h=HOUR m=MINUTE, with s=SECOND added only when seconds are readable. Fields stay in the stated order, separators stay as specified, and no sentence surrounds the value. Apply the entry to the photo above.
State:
h=12 m=17
